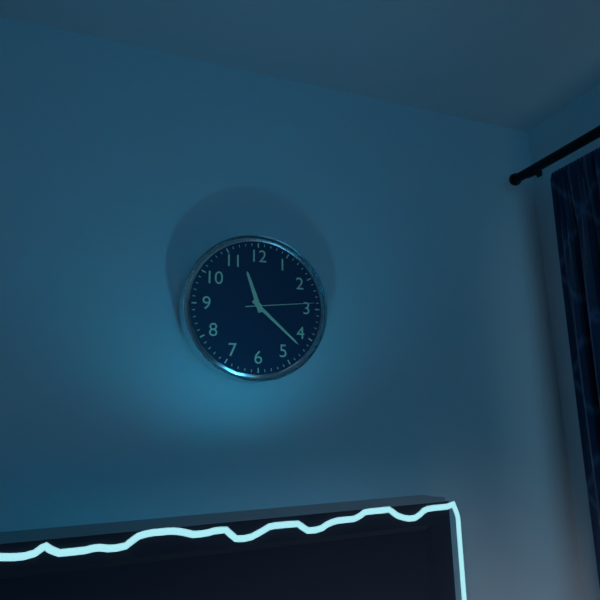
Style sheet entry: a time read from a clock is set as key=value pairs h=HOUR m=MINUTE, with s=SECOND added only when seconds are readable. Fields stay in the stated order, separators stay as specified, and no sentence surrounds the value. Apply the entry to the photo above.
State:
h=11 m=22 s=14
